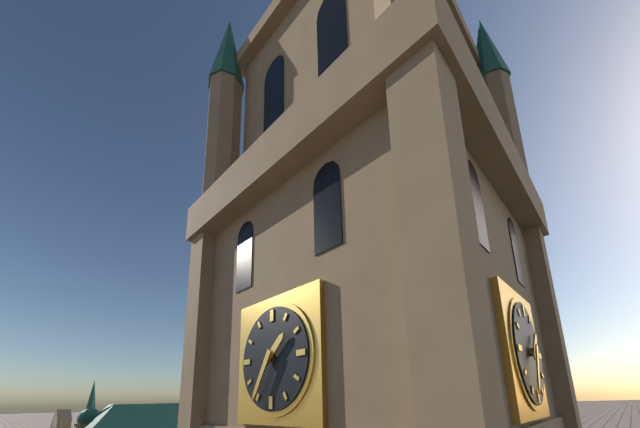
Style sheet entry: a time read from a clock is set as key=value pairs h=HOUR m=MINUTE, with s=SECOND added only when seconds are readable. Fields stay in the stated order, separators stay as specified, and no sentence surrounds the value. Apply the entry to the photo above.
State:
h=1 m=35
